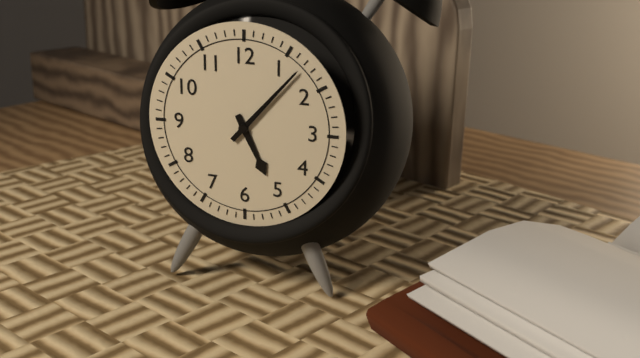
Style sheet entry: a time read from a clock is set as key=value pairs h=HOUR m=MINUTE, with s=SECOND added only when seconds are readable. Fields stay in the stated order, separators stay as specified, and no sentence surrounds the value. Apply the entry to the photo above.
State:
h=5 m=7
